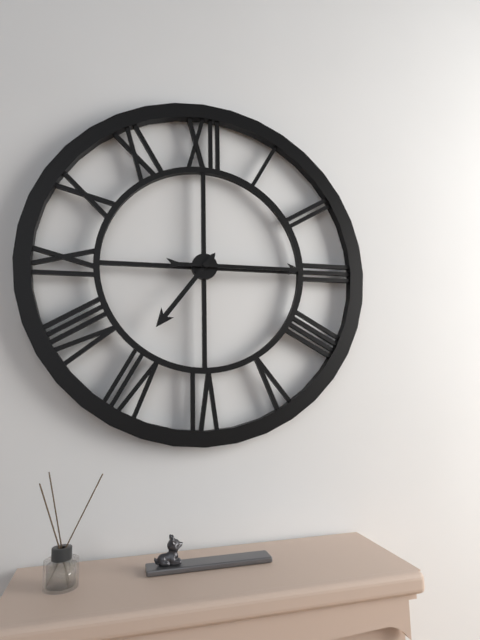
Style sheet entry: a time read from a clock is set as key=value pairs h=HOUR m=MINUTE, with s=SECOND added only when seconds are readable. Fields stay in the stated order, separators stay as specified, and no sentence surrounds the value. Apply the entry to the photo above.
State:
h=7 m=15
